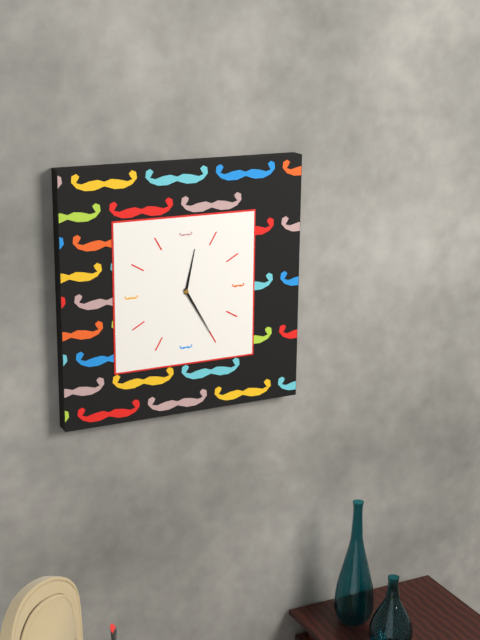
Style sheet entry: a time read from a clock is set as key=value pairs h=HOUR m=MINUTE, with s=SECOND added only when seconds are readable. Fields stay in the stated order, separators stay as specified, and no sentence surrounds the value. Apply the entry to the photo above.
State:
h=12 m=25
